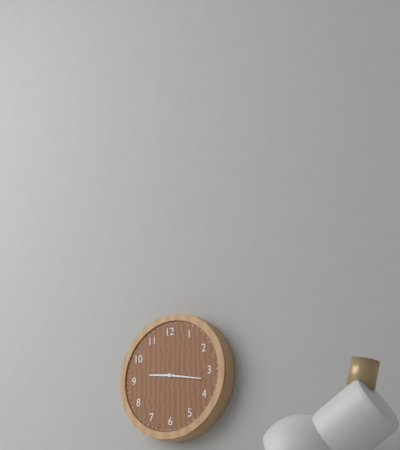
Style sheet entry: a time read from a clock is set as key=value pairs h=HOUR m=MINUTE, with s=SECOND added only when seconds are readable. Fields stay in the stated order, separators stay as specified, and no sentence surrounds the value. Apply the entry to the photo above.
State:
h=9 m=17
